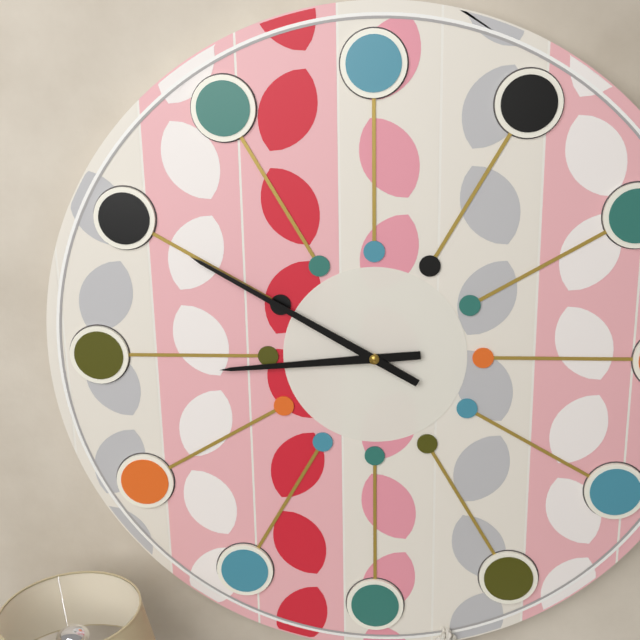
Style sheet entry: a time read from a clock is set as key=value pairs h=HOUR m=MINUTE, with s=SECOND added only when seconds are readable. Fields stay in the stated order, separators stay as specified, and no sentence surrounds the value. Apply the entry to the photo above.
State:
h=8 m=50
